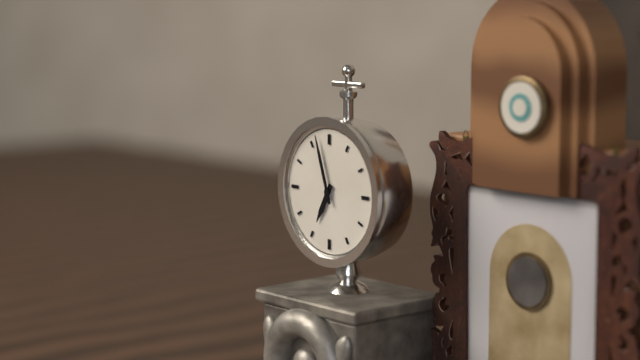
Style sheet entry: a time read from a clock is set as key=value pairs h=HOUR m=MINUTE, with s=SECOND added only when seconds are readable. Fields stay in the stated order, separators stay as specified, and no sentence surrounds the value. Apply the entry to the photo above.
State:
h=6 m=57
